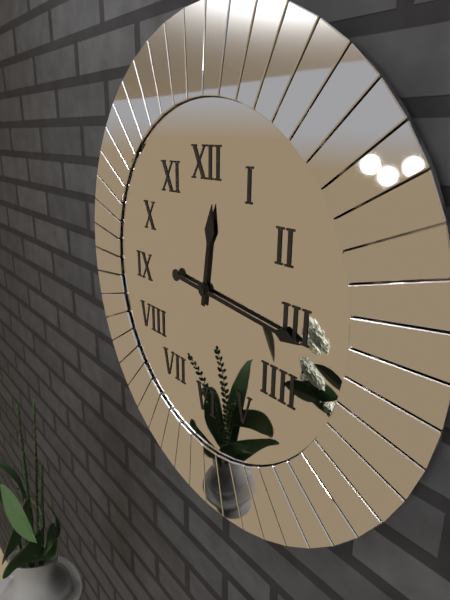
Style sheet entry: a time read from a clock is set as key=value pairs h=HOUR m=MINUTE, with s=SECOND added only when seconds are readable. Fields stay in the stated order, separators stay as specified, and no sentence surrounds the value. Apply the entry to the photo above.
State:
h=12 m=16
